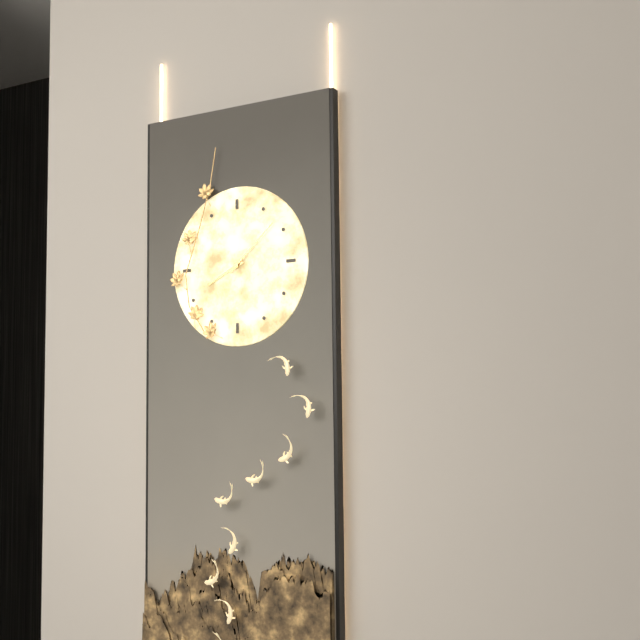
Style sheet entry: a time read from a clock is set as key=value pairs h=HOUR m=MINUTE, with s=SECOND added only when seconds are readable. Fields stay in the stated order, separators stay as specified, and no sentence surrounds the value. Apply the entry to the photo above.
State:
h=8 m=8
